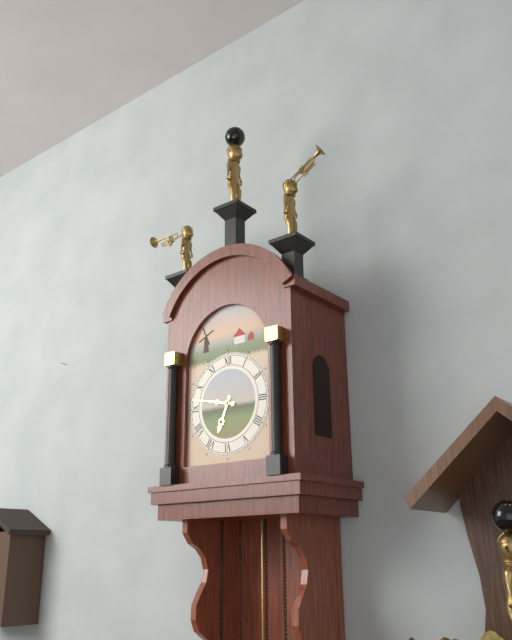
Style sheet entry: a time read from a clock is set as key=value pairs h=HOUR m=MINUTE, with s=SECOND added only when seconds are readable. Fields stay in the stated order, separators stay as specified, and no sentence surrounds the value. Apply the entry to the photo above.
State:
h=6 m=47
